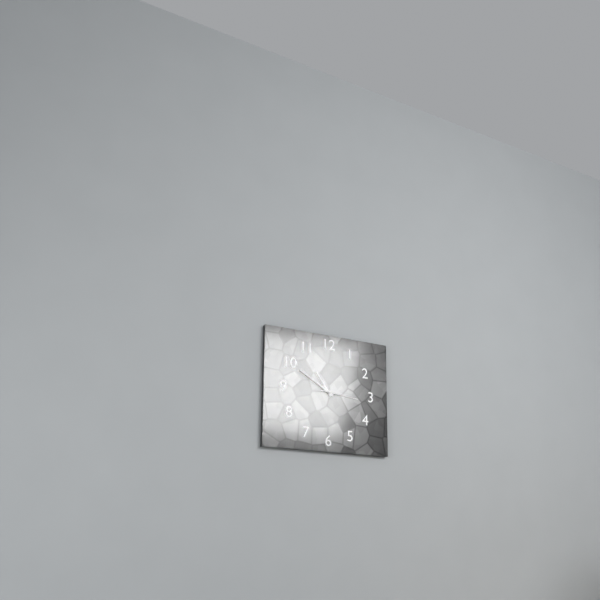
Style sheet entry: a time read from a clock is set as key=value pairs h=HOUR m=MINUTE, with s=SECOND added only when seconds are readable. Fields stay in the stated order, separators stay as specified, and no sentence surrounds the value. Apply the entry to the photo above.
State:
h=10 m=50
